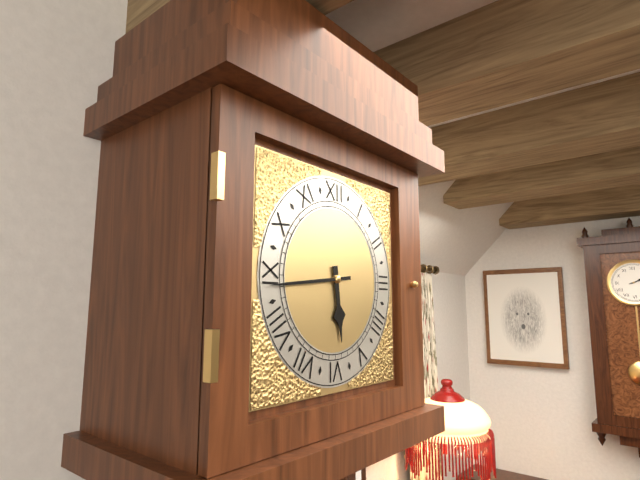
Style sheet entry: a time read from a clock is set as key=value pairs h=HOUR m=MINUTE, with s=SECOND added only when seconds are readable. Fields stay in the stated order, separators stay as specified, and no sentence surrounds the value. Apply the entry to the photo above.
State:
h=5 m=44
